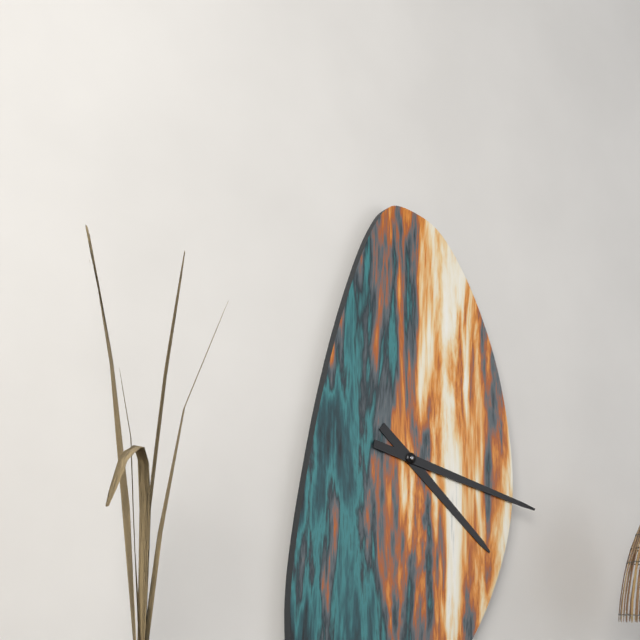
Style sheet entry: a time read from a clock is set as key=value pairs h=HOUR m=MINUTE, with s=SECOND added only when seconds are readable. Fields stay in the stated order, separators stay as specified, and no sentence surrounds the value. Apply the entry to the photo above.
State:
h=4 m=17
